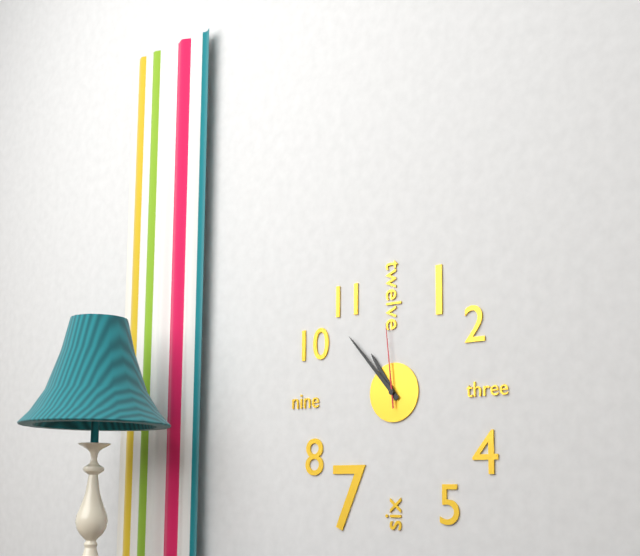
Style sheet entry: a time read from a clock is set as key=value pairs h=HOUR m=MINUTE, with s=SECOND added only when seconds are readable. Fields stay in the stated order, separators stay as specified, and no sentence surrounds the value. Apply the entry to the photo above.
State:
h=10 m=53 s=59
